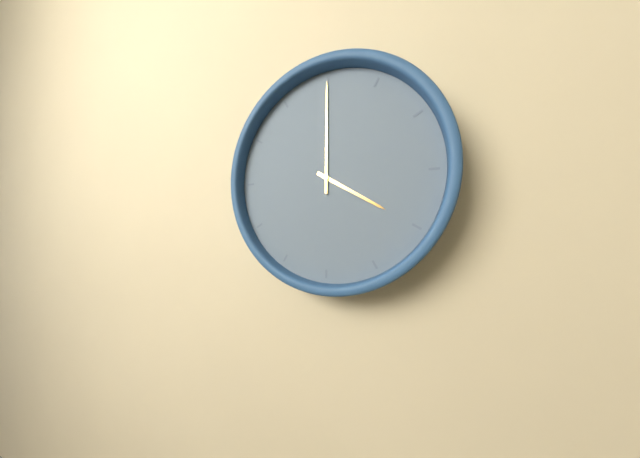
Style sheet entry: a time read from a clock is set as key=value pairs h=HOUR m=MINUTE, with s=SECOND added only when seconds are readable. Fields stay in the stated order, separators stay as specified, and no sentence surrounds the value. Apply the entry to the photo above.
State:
h=4 m=0
